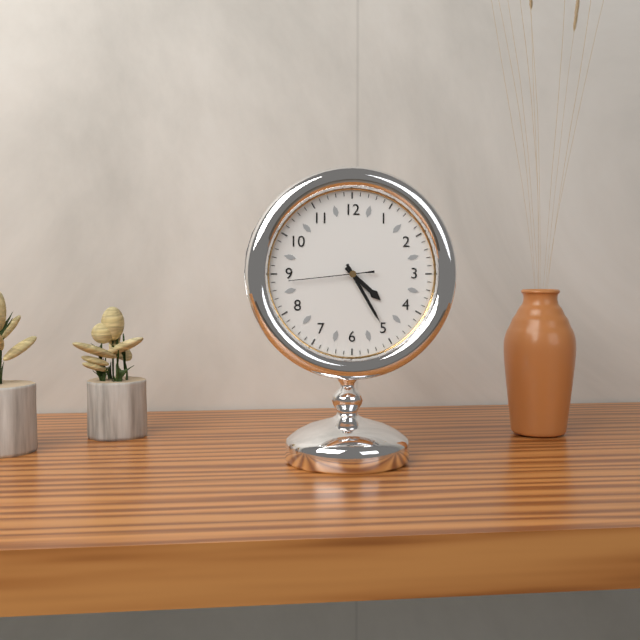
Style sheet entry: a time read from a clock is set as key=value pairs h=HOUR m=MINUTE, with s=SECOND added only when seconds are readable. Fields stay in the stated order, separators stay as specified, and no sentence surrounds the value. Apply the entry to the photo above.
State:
h=4 m=25 s=44
